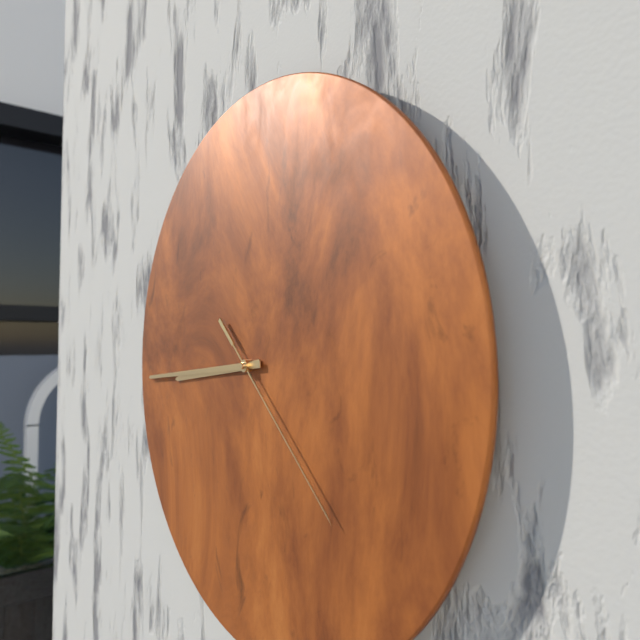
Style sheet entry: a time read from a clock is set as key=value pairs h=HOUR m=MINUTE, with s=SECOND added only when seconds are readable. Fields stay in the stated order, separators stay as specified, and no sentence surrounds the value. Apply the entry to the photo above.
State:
h=8 m=44 s=22
